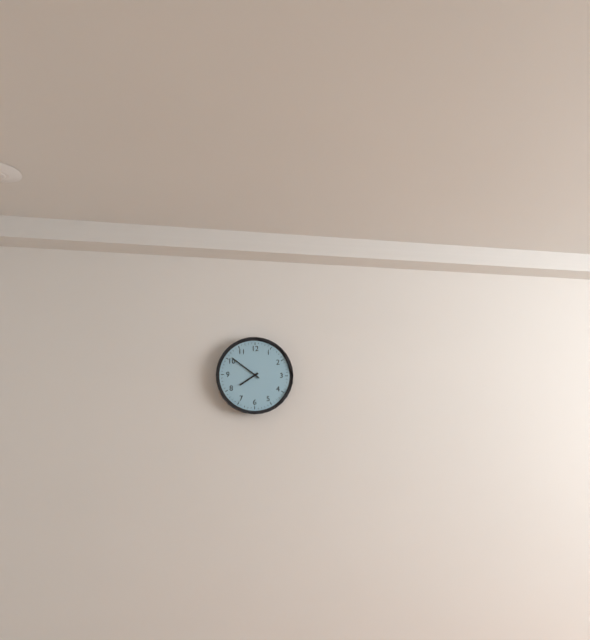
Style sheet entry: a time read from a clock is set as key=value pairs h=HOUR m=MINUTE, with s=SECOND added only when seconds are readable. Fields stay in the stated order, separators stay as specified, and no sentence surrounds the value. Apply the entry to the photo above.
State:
h=7 m=51
